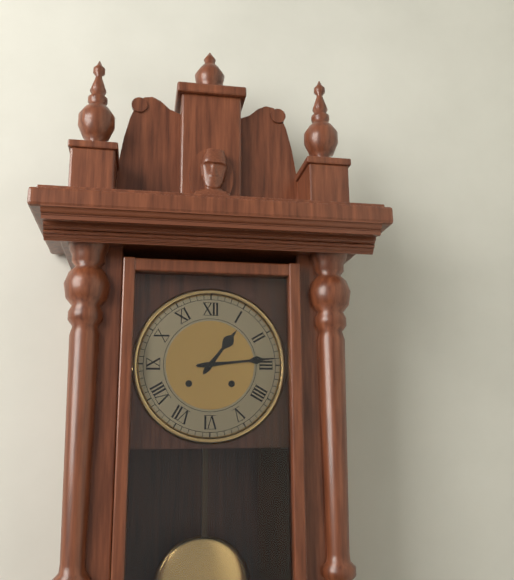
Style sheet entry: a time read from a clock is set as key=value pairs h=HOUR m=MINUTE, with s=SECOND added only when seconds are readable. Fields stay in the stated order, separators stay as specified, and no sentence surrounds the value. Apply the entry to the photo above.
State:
h=1 m=14
